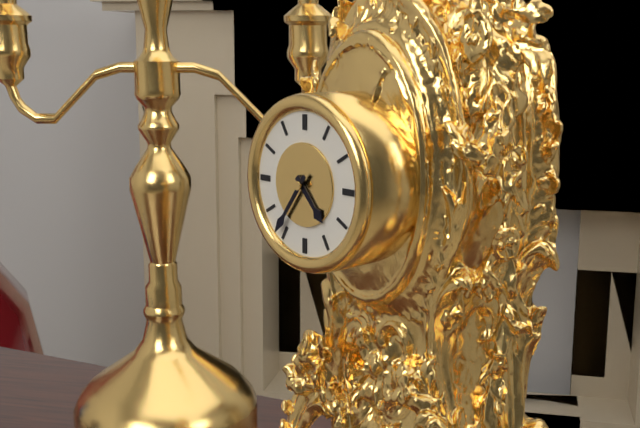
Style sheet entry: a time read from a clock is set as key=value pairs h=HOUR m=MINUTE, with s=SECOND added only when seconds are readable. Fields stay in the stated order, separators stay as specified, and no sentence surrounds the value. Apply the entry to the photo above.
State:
h=4 m=36
